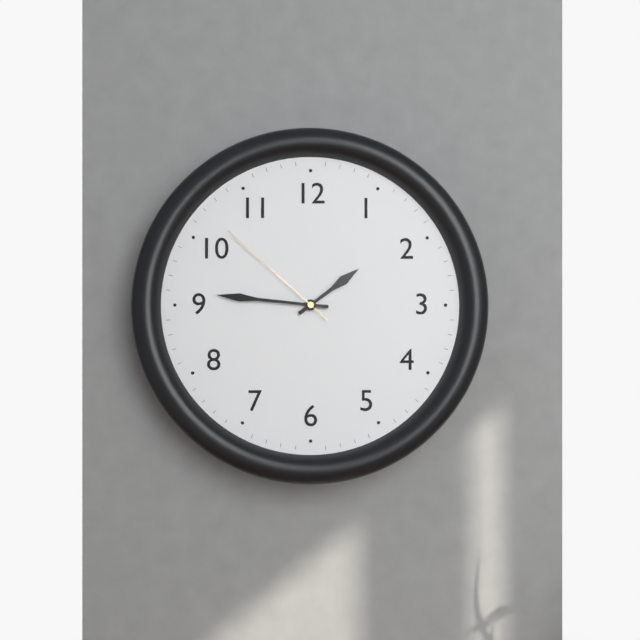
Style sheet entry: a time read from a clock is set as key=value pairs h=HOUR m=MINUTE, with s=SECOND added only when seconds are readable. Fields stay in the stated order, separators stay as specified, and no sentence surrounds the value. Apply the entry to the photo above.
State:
h=1 m=46 s=52
